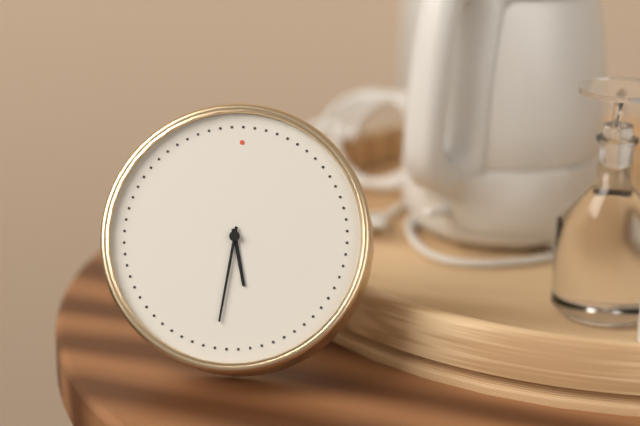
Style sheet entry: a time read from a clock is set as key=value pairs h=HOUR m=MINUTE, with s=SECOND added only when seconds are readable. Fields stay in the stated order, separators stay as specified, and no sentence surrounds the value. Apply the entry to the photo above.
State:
h=5 m=31
